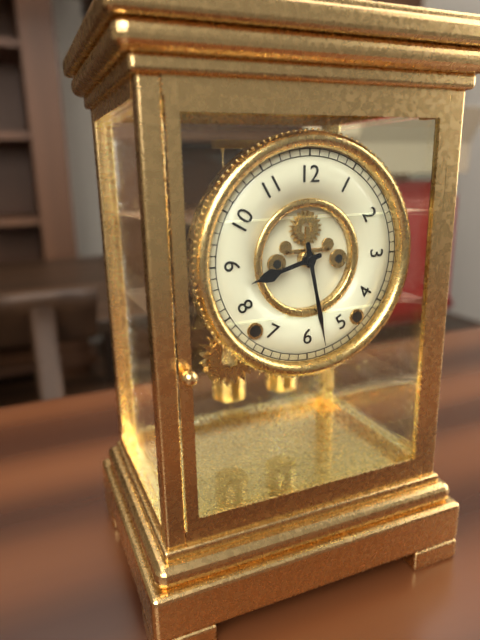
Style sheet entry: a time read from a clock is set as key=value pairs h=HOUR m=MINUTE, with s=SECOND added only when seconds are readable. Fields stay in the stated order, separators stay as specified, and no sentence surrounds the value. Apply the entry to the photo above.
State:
h=8 m=28
